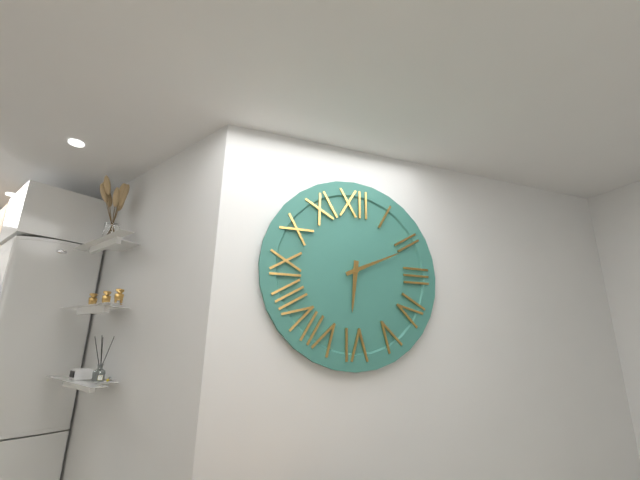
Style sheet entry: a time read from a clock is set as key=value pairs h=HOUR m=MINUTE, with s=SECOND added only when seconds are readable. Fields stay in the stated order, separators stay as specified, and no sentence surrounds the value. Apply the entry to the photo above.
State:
h=6 m=11
